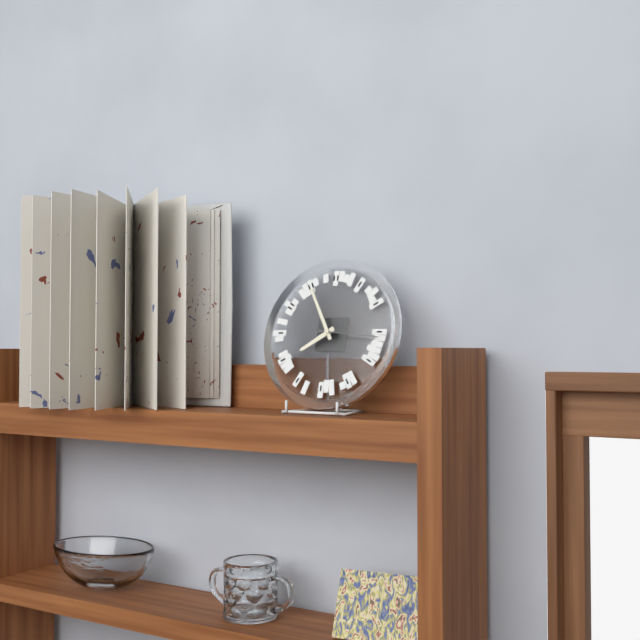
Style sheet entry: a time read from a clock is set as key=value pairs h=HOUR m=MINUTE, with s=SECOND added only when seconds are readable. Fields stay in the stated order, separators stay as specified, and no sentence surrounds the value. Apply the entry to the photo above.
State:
h=7 m=55 s=16
